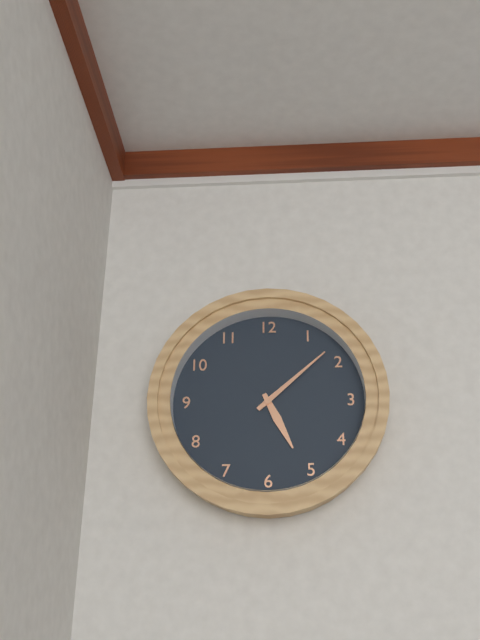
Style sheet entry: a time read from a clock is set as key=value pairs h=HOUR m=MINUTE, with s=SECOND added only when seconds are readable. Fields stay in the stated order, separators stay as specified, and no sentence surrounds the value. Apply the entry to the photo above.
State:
h=5 m=8
